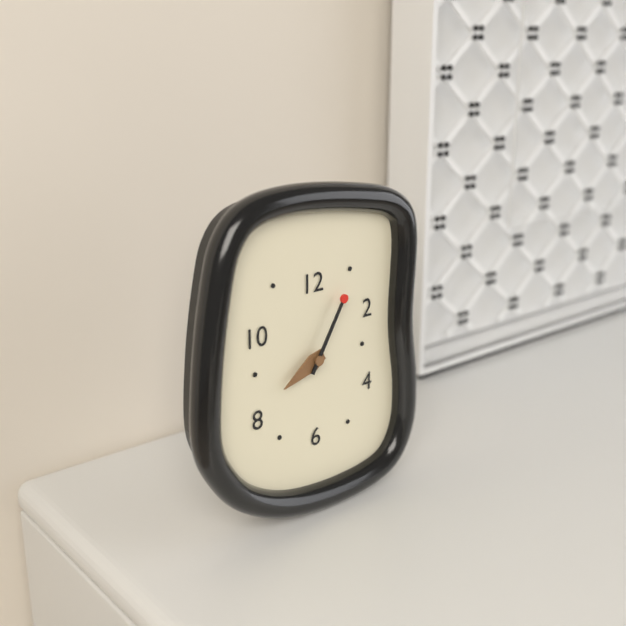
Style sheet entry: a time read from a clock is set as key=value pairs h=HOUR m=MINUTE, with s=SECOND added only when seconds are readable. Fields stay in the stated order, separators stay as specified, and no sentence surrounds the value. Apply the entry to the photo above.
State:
h=8 m=5
